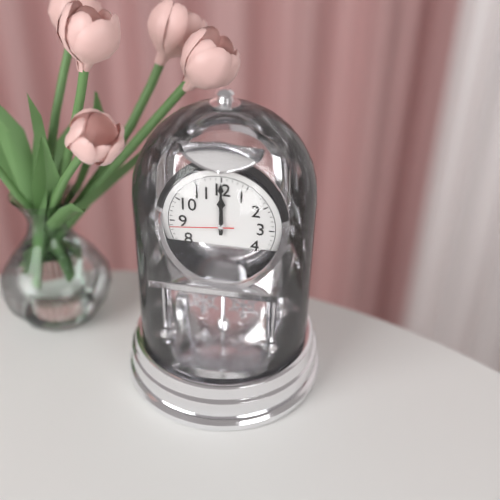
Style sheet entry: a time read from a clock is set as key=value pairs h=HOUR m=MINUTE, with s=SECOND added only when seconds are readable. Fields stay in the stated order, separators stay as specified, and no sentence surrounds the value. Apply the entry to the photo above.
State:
h=12 m=0 s=44
